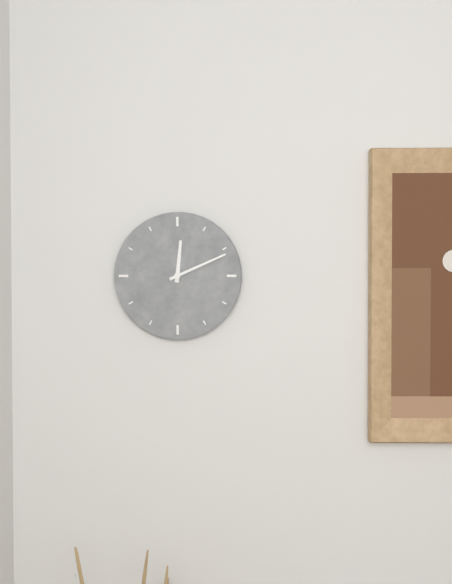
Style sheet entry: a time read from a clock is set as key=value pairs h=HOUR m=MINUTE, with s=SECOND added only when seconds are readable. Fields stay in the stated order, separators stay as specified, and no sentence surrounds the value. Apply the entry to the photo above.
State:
h=12 m=11
